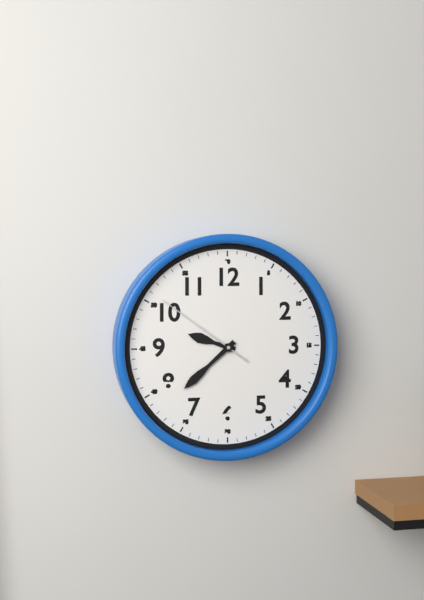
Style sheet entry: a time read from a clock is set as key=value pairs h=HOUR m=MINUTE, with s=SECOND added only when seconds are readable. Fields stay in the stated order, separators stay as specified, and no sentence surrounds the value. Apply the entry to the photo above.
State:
h=9 m=38 s=51
